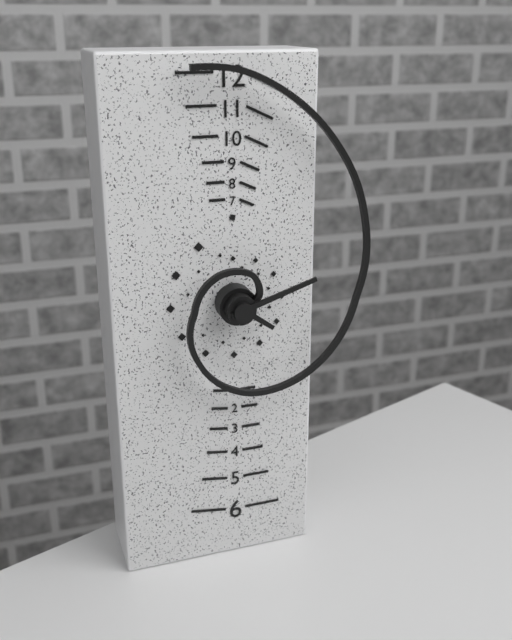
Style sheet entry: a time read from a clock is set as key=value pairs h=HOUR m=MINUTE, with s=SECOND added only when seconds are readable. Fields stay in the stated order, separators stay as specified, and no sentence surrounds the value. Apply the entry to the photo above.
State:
h=4 m=12
